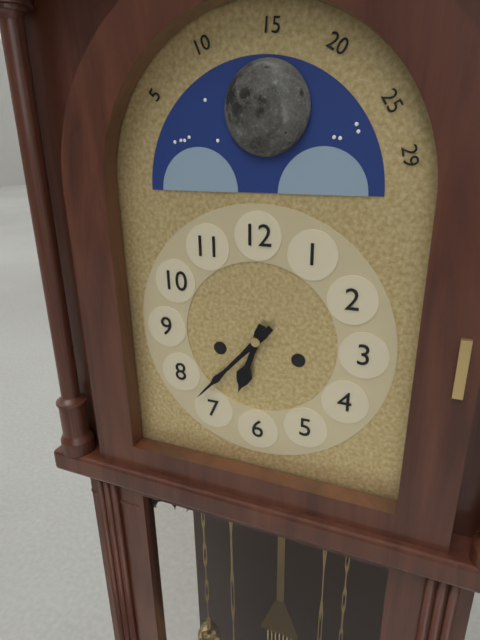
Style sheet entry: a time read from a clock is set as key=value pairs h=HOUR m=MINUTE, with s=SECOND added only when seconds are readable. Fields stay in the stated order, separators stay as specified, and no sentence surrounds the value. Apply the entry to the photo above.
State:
h=6 m=37
